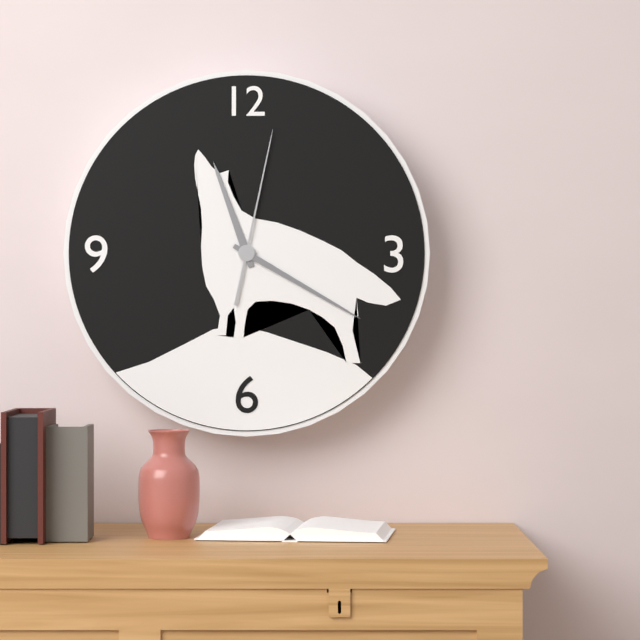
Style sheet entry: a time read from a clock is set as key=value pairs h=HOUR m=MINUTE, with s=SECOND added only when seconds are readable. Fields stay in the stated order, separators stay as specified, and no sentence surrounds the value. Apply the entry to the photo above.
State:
h=11 m=20 s=2
